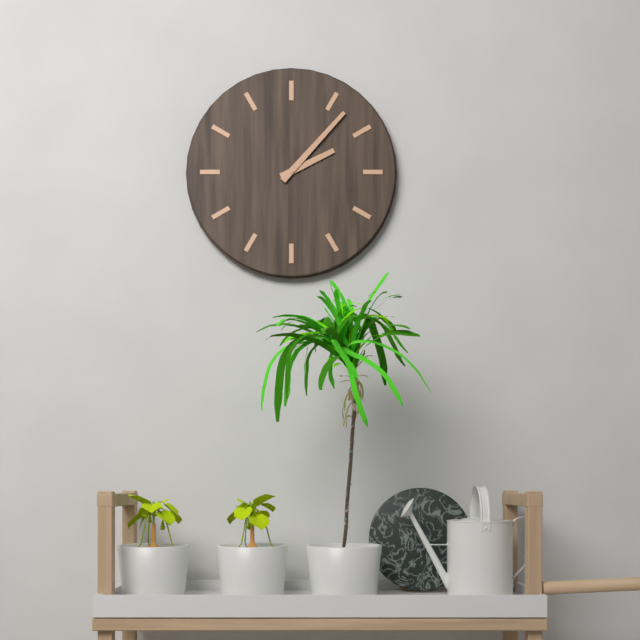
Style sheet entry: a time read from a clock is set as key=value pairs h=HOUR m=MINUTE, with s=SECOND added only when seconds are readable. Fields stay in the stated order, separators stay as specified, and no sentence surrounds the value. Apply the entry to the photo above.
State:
h=2 m=7
